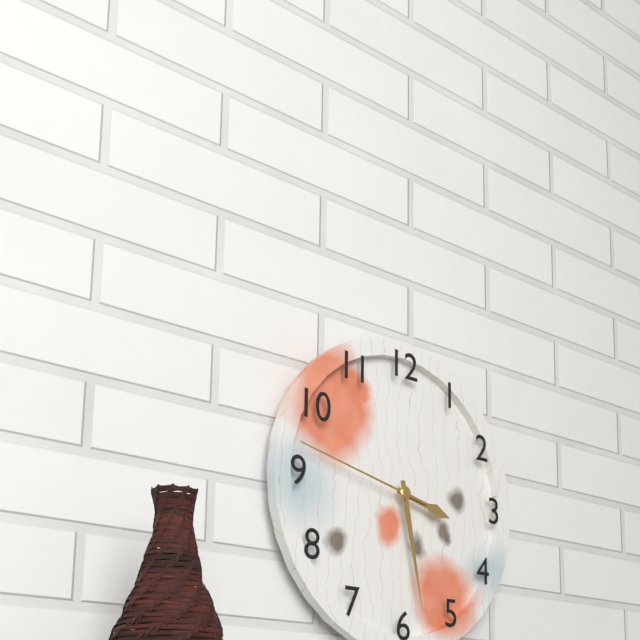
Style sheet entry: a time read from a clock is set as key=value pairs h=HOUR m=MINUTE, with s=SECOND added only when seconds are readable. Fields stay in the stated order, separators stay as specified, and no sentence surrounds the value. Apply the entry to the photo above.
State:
h=3 m=28 s=47
